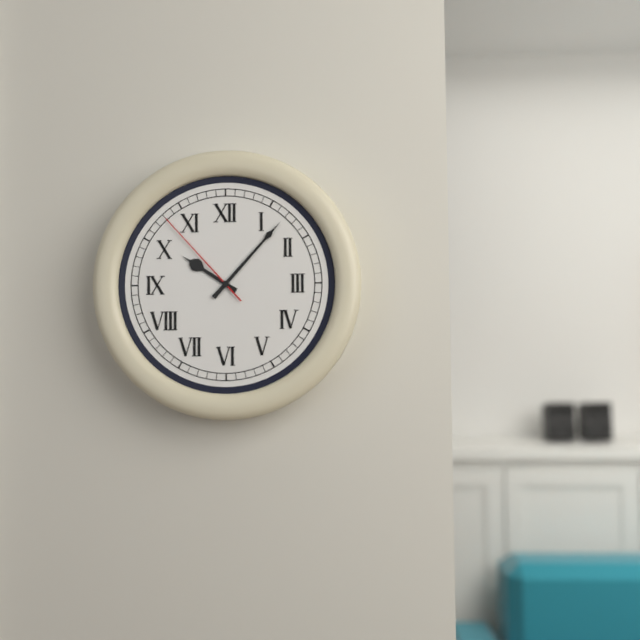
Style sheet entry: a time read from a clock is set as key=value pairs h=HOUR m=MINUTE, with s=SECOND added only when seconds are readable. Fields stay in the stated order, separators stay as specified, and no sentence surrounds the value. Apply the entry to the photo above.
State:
h=10 m=7 s=53
